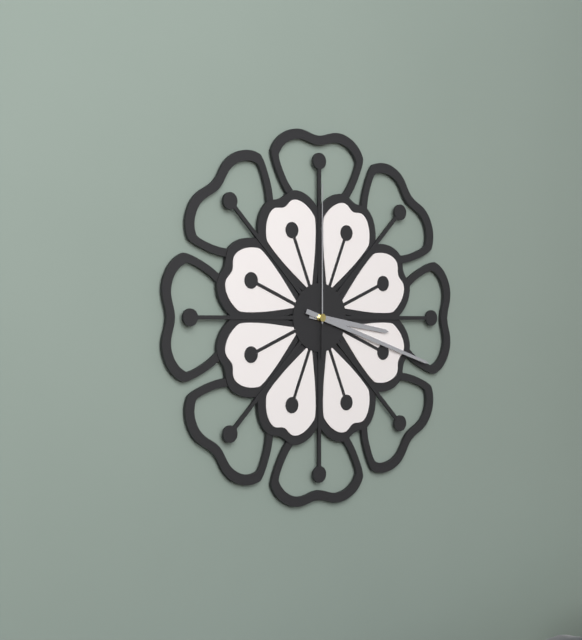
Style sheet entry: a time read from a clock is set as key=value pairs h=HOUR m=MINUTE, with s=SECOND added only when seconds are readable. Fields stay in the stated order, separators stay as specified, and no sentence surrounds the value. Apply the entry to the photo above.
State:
h=3 m=18 s=0
